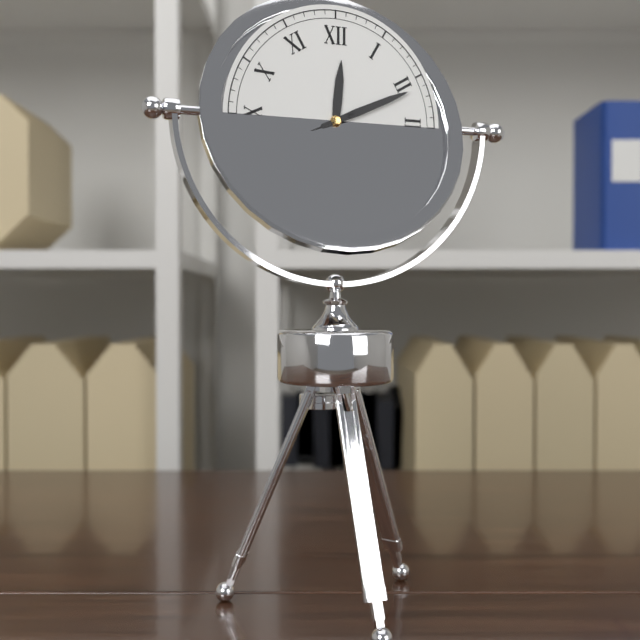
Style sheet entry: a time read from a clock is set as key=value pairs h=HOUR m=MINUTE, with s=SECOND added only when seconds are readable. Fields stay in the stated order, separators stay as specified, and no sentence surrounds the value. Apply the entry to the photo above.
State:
h=12 m=11
